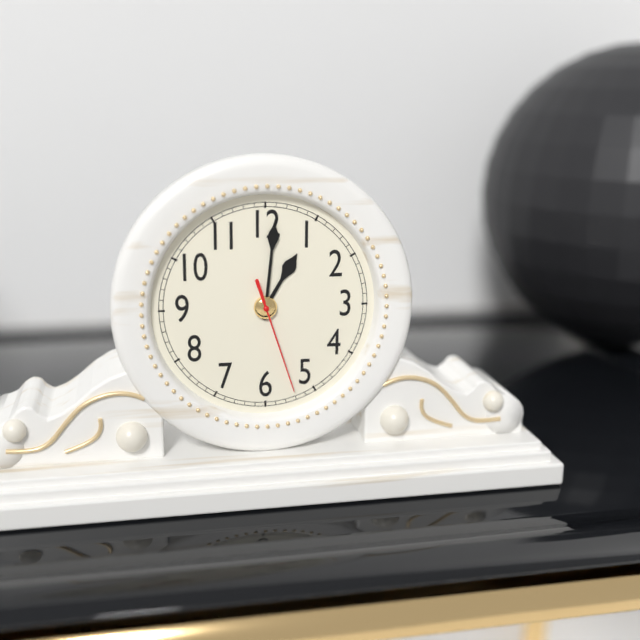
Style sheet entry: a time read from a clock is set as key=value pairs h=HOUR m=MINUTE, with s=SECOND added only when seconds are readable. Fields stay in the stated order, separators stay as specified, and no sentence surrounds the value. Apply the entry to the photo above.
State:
h=1 m=1 s=27
